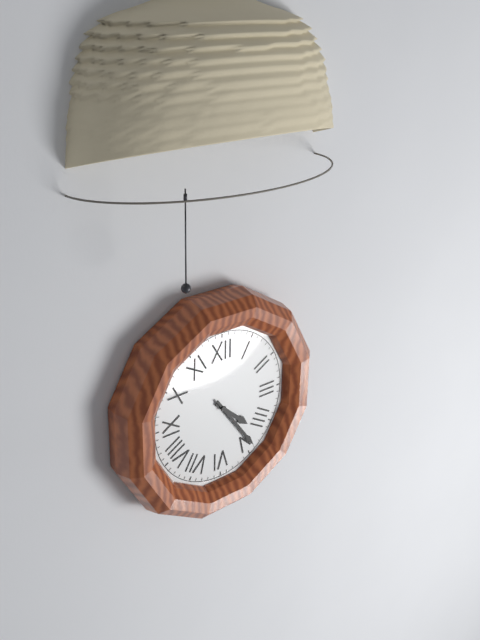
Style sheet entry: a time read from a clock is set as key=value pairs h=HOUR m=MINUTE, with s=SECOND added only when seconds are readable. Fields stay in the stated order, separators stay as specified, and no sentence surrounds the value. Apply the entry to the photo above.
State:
h=4 m=24
